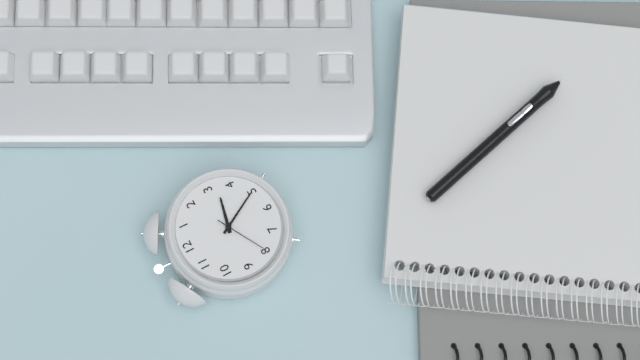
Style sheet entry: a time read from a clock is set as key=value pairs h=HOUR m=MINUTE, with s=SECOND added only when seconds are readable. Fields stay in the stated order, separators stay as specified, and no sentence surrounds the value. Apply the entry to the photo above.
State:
h=3 m=25 s=40
